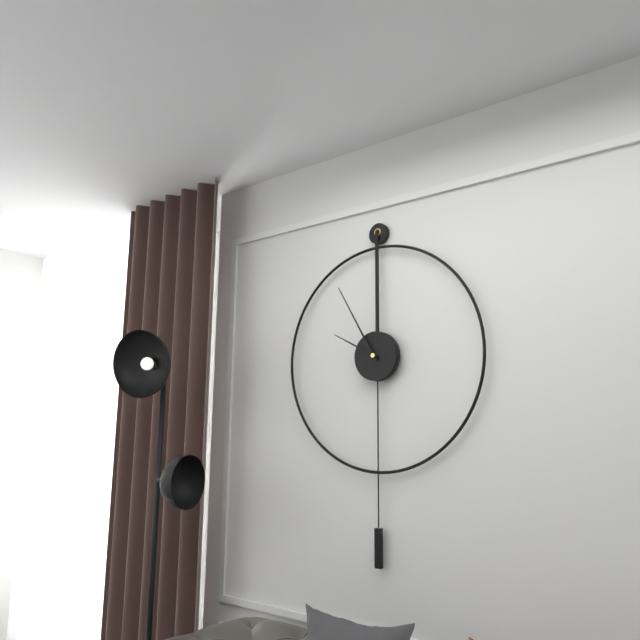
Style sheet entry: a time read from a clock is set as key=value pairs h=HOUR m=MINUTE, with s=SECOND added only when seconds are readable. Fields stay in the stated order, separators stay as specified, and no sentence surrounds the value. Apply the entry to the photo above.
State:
h=9 m=55
